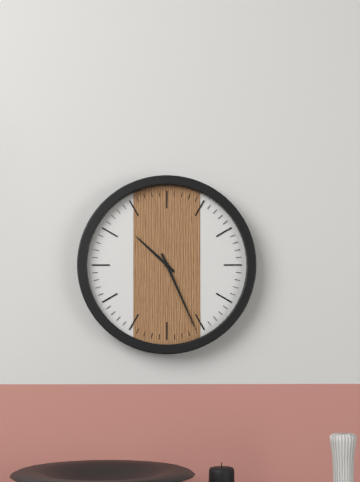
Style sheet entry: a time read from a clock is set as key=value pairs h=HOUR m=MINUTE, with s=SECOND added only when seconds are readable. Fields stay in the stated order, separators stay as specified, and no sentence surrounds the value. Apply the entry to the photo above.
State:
h=10 m=26
